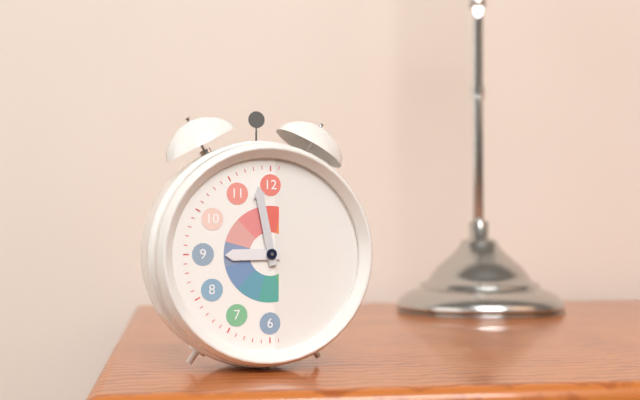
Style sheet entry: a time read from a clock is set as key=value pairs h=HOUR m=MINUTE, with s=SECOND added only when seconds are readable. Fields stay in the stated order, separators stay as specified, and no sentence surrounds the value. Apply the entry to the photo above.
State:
h=8 m=58
